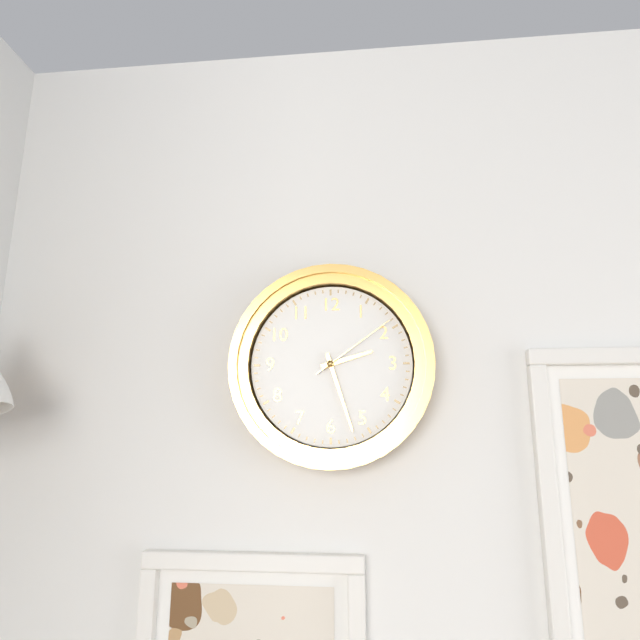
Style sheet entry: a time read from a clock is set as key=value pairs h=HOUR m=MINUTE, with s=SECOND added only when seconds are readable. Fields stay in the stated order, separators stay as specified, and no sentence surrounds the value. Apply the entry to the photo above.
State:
h=2 m=27 s=9
